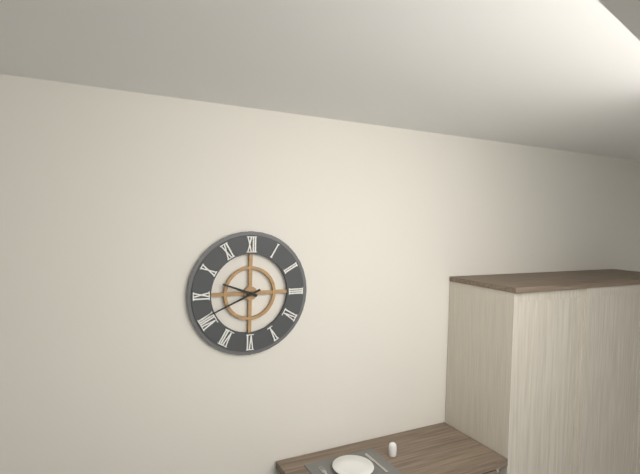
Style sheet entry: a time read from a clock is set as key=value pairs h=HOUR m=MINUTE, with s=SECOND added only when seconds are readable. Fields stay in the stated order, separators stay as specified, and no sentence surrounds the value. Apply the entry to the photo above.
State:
h=9 m=41
